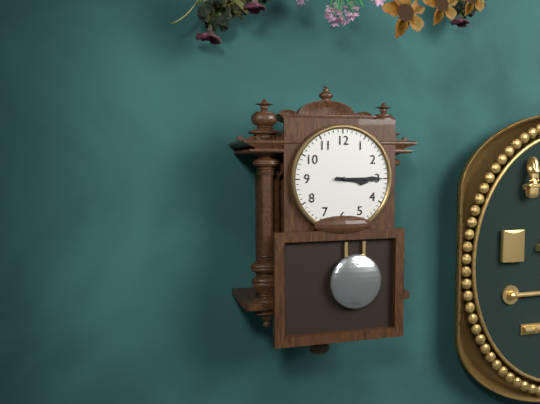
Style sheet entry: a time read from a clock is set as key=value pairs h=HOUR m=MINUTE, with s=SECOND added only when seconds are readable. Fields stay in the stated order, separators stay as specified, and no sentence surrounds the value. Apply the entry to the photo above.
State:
h=3 m=15
